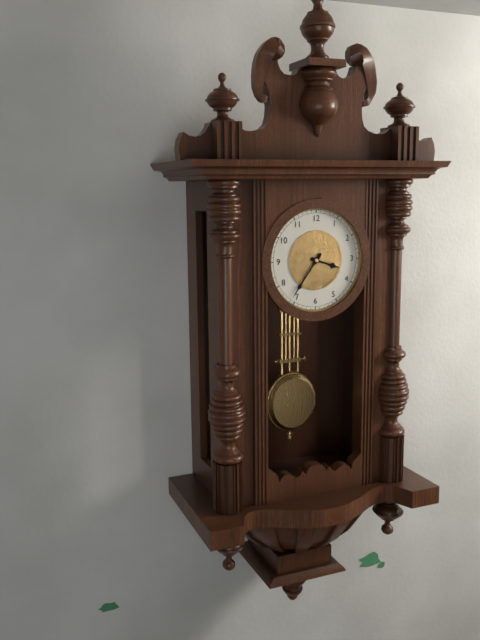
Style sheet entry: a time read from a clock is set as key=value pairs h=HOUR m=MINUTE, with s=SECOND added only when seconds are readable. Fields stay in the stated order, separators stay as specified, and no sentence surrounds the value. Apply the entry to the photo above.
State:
h=3 m=36
